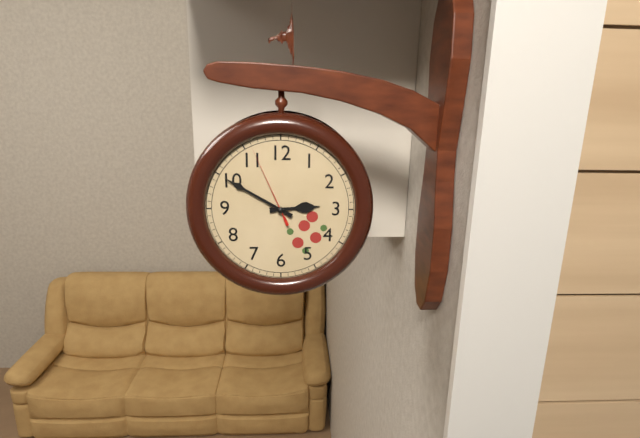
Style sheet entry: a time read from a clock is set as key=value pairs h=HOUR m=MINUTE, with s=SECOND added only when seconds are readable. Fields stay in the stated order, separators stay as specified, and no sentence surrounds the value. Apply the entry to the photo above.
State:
h=2 m=50 s=56
